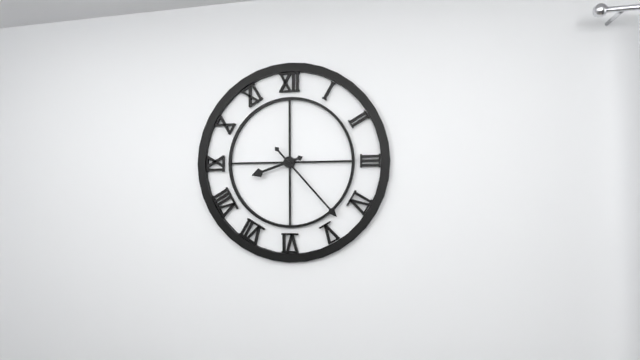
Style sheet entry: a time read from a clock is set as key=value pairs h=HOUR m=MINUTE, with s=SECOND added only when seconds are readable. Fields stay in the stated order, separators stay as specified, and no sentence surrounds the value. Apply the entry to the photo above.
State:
h=8 m=23
